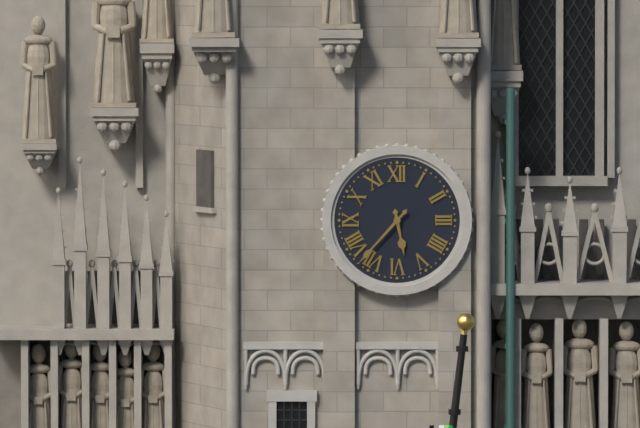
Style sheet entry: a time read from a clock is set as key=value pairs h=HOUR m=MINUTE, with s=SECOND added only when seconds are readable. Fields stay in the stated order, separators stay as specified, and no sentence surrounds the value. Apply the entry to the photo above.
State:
h=5 m=37
